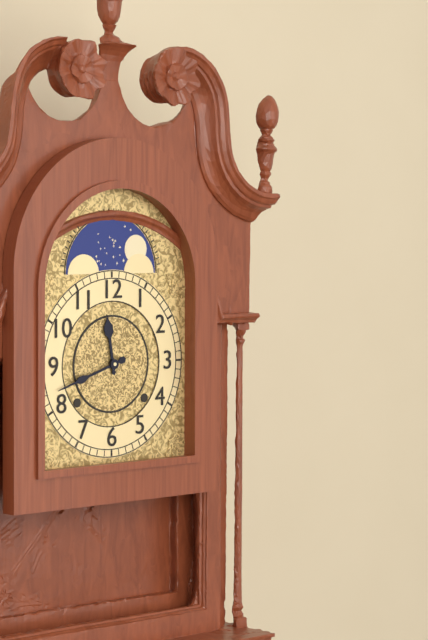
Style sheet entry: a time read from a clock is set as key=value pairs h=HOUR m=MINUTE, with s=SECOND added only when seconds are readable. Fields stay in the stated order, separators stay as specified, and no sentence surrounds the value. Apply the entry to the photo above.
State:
h=11 m=42
